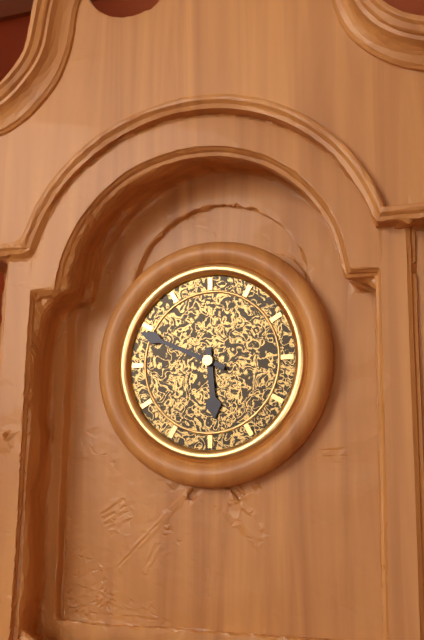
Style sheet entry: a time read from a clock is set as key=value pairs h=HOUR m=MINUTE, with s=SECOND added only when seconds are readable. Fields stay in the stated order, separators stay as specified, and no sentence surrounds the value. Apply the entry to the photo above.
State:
h=5 m=49
